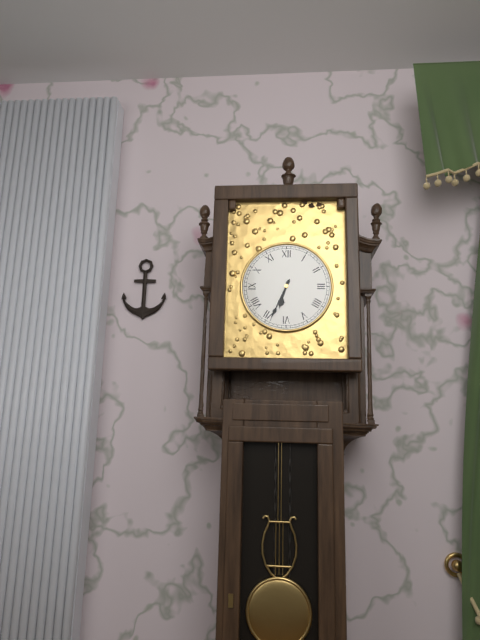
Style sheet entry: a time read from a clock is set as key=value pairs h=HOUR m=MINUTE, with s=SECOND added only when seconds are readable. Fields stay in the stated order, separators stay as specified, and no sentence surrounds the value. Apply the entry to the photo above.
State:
h=6 m=34
